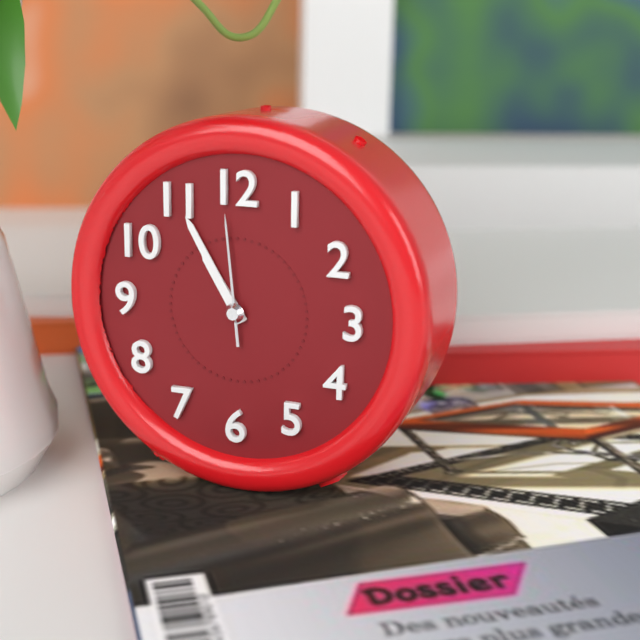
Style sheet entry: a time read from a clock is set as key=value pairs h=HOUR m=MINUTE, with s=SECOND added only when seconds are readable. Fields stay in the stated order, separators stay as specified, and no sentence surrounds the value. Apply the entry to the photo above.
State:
h=10 m=55 s=59
